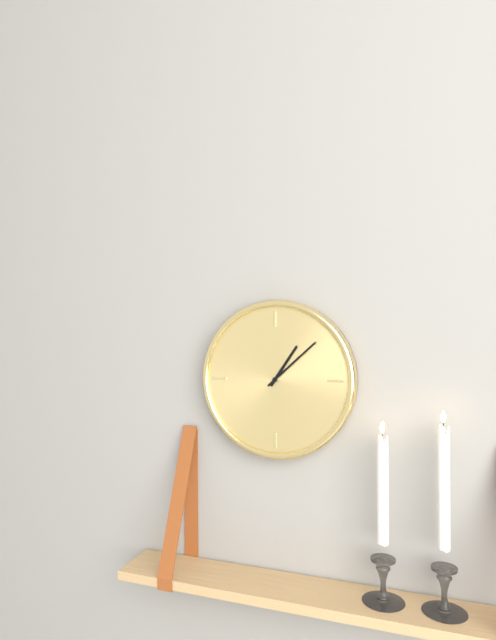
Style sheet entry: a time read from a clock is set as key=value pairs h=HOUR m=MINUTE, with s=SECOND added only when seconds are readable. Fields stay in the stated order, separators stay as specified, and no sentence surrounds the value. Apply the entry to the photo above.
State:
h=1 m=8
